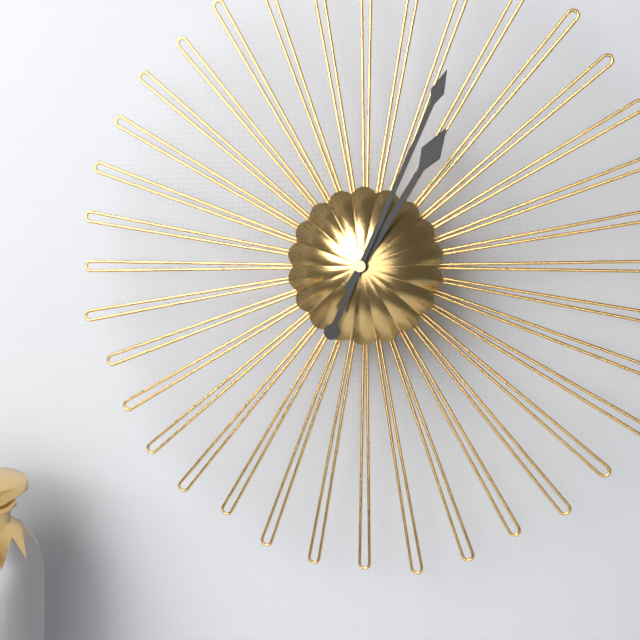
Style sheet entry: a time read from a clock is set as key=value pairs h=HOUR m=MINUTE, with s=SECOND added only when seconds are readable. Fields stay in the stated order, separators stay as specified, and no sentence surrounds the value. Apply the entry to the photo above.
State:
h=1 m=4
